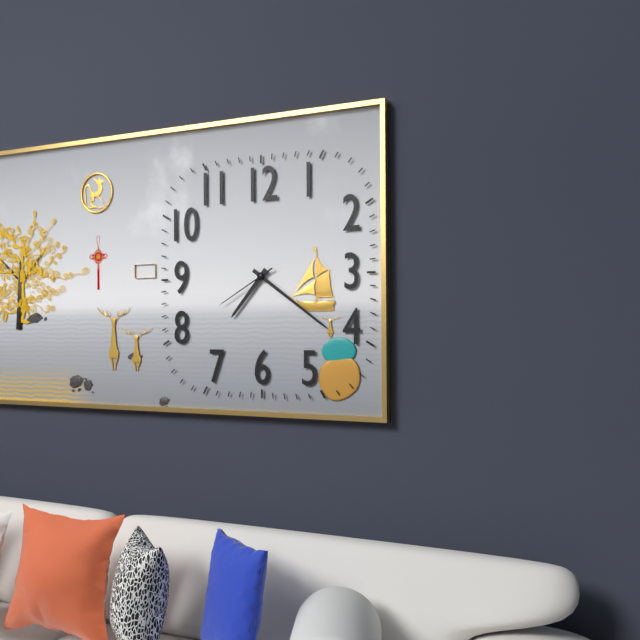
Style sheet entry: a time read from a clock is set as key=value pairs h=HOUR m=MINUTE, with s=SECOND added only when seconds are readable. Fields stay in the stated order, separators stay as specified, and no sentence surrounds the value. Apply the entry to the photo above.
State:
h=7 m=21 s=40
